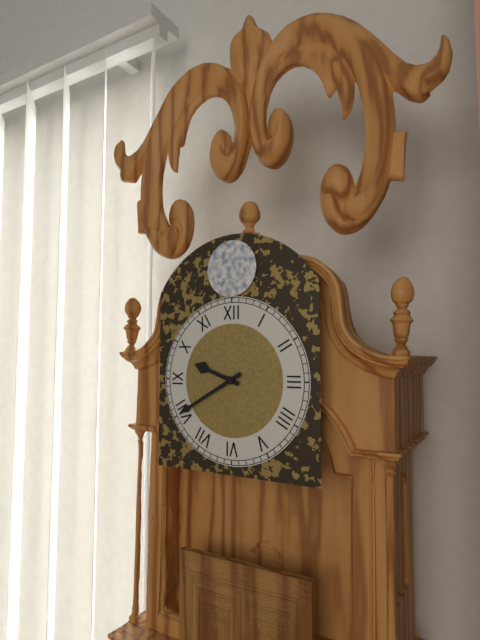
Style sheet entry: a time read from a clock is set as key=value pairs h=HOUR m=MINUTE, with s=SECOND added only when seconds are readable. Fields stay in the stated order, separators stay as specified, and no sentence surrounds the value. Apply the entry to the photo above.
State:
h=9 m=40
